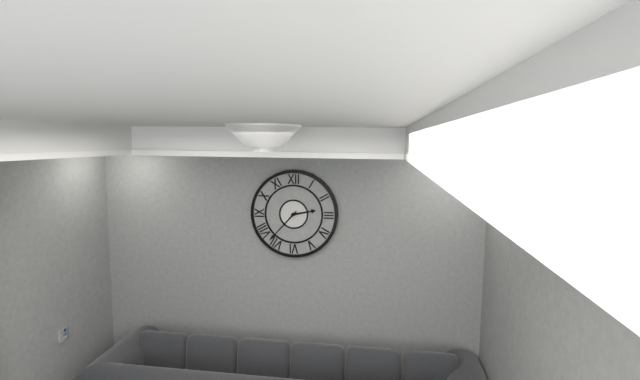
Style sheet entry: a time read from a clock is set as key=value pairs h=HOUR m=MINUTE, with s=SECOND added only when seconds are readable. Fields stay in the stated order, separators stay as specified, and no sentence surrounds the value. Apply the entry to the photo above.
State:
h=2 m=37
